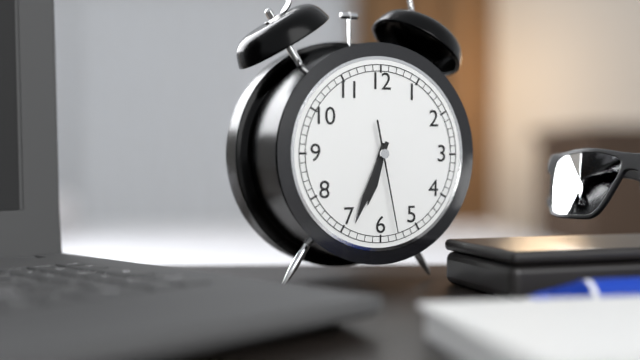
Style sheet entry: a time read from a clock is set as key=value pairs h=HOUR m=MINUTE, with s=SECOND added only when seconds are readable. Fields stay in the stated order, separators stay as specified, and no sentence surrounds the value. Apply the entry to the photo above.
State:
h=6 m=34 s=28
